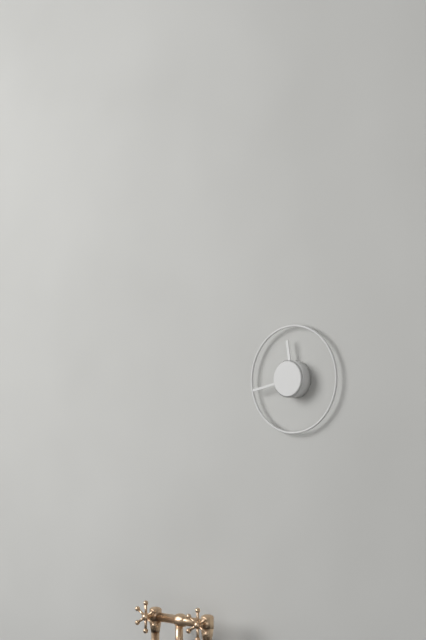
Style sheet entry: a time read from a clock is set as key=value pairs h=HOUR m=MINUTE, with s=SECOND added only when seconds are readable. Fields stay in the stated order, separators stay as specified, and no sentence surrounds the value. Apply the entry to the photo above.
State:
h=11 m=43
